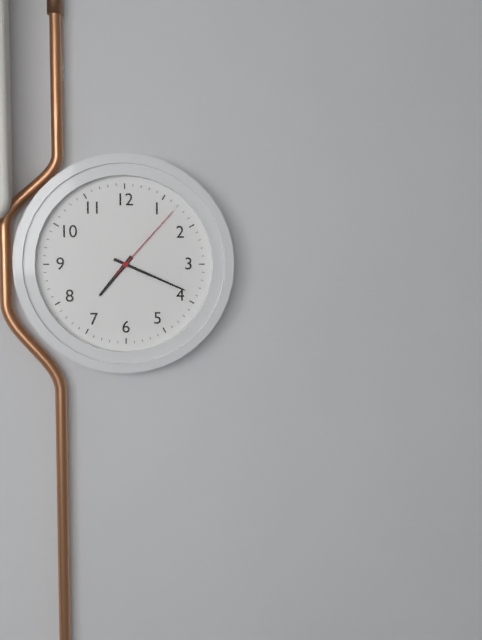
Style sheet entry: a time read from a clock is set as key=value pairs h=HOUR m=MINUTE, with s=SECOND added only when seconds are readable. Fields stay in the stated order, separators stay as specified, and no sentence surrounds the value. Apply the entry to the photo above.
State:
h=7 m=19 s=7
